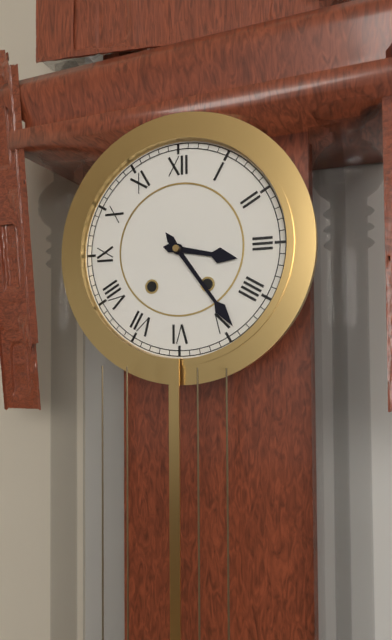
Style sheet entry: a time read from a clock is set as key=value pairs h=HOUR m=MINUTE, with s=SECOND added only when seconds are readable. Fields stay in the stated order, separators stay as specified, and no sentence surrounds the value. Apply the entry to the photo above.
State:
h=3 m=24
